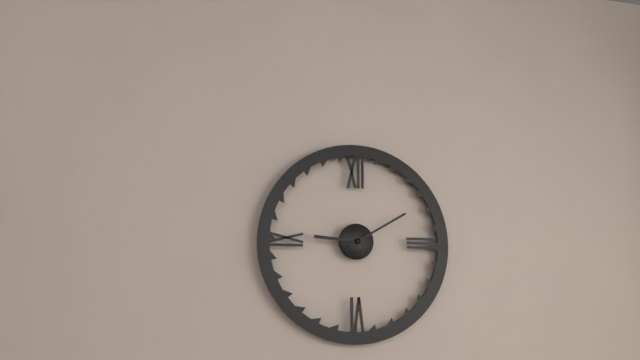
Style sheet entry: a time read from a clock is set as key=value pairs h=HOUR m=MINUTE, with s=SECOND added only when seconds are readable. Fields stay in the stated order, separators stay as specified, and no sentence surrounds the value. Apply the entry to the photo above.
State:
h=9 m=10
